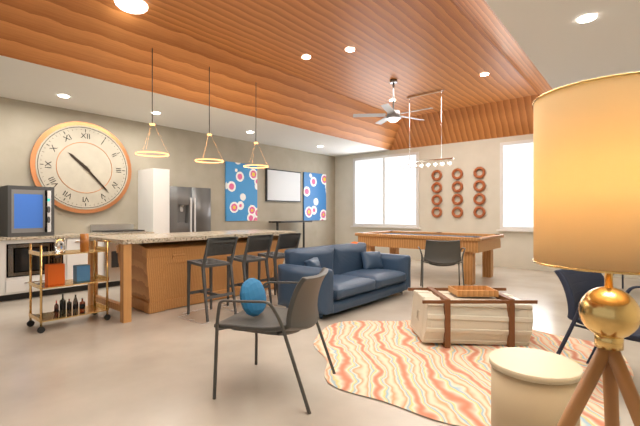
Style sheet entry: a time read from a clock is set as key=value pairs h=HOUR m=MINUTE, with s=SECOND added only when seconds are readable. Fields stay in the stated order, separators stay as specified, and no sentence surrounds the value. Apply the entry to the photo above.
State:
h=10 m=23
